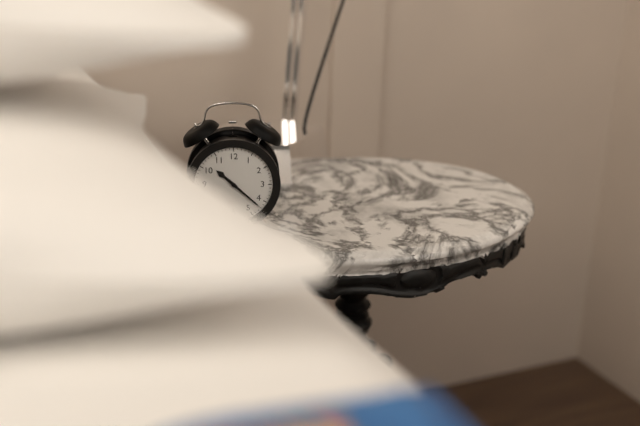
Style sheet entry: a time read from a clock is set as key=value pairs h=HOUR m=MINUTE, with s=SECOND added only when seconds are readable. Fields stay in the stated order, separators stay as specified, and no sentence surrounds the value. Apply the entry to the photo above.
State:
h=10 m=22
